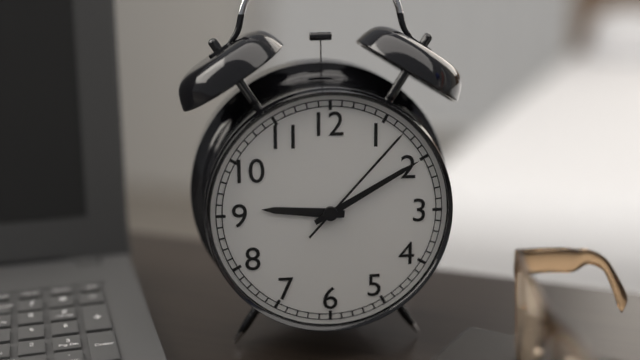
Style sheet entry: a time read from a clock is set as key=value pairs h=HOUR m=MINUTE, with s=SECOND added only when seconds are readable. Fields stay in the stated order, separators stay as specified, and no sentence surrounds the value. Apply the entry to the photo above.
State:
h=9 m=10 s=7
